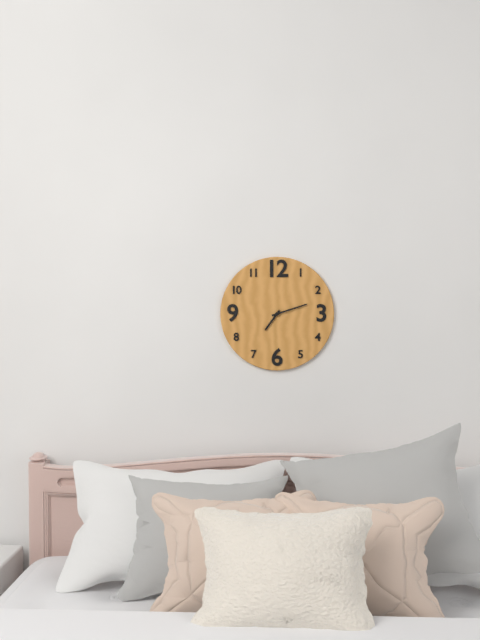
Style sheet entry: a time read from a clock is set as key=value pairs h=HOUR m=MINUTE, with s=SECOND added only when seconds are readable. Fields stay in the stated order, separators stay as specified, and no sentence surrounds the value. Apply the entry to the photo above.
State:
h=7 m=12
